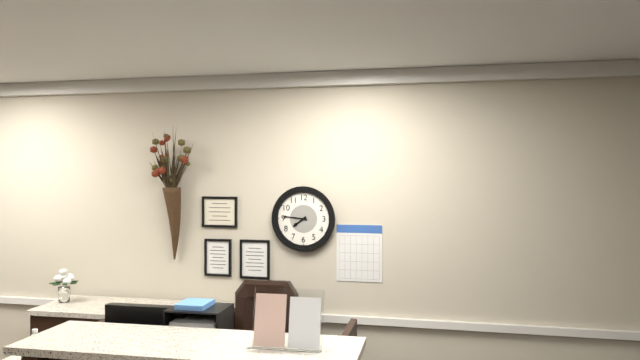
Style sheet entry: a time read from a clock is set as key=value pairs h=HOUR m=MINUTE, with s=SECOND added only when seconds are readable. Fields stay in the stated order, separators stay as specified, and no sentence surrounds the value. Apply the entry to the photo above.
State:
h=7 m=46
